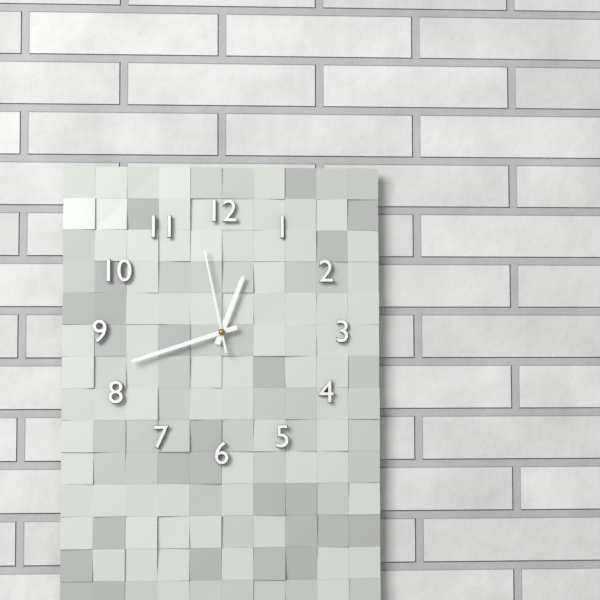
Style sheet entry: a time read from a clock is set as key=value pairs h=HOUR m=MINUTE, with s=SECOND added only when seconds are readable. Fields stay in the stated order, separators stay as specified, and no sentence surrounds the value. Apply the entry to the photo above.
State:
h=12 m=42 s=58
